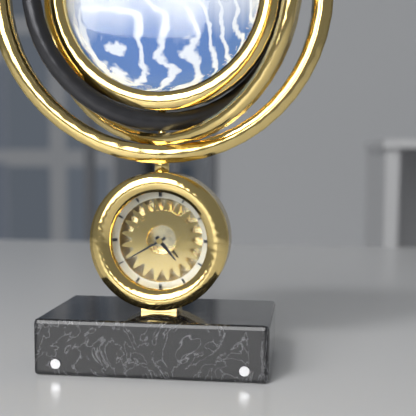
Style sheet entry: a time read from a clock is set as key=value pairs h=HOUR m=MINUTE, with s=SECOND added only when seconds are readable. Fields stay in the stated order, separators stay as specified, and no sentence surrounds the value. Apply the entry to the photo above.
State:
h=4 m=40
